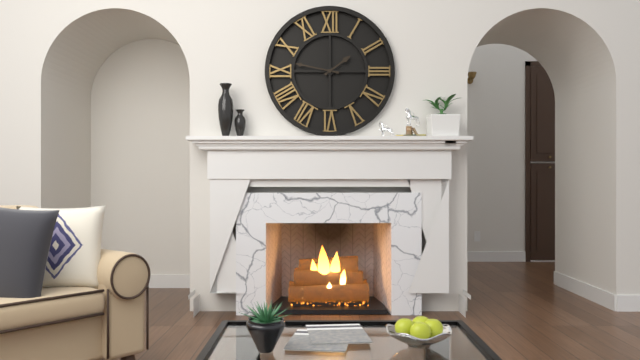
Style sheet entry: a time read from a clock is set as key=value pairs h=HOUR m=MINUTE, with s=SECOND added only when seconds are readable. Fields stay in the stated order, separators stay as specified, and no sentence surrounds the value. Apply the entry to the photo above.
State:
h=1 m=47
